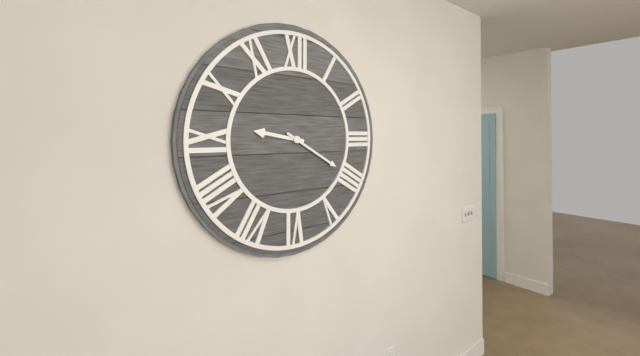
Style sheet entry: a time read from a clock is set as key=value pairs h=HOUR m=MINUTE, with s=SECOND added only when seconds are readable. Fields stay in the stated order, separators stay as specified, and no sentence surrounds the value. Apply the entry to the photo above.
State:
h=9 m=20
